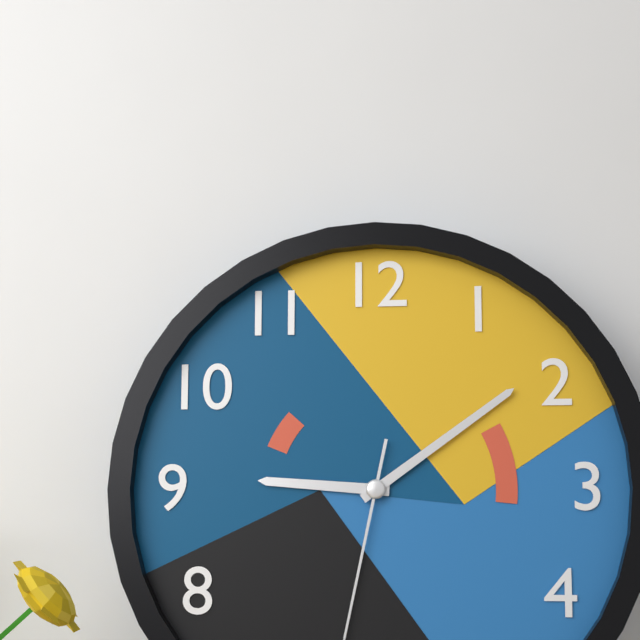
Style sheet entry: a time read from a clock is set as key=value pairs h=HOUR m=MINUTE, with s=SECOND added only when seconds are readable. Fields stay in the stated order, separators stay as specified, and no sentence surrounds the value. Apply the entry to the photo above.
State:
h=9 m=9
